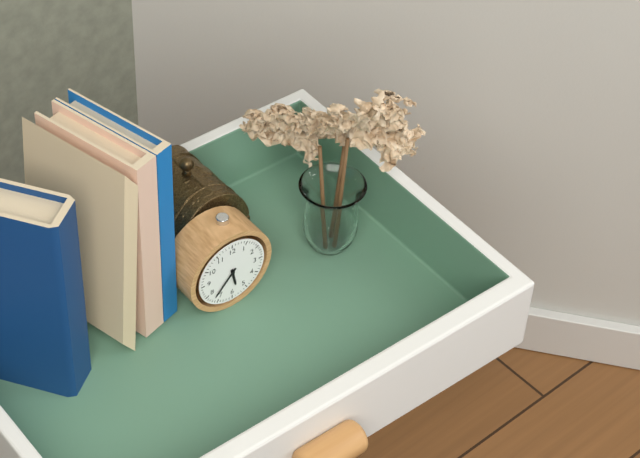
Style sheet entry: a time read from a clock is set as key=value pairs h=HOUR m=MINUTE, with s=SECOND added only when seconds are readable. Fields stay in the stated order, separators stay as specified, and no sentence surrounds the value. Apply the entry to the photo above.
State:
h=5 m=37
